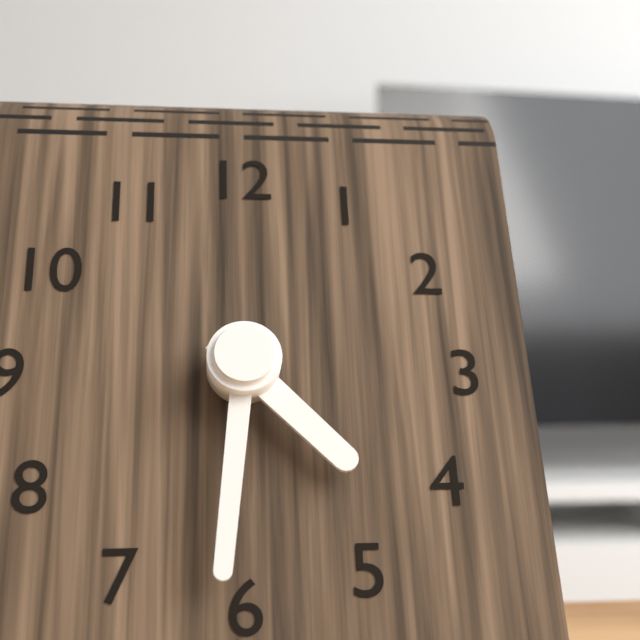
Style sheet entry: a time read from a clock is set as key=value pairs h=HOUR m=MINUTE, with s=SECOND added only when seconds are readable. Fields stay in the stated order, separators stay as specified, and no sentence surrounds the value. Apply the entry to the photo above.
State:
h=4 m=31
